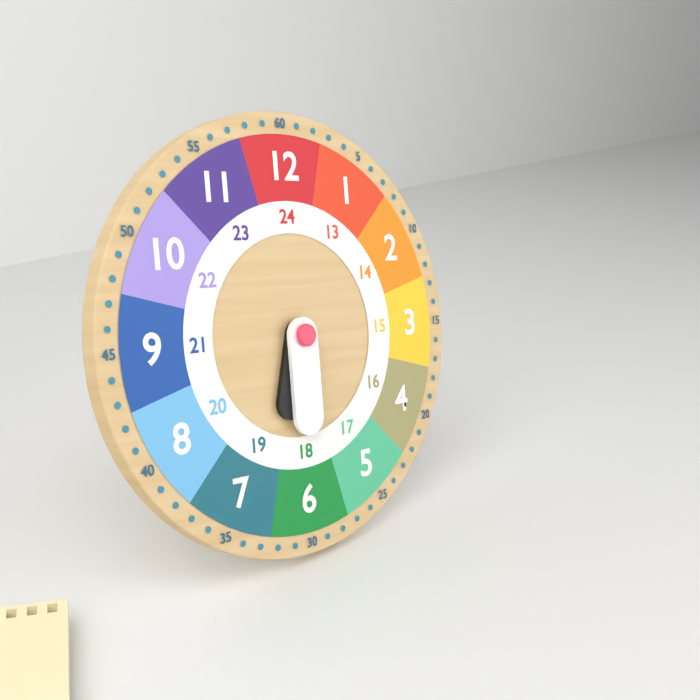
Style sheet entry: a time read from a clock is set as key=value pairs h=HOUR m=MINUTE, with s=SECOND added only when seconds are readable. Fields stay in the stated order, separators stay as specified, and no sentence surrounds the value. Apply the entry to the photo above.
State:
h=6 m=30
